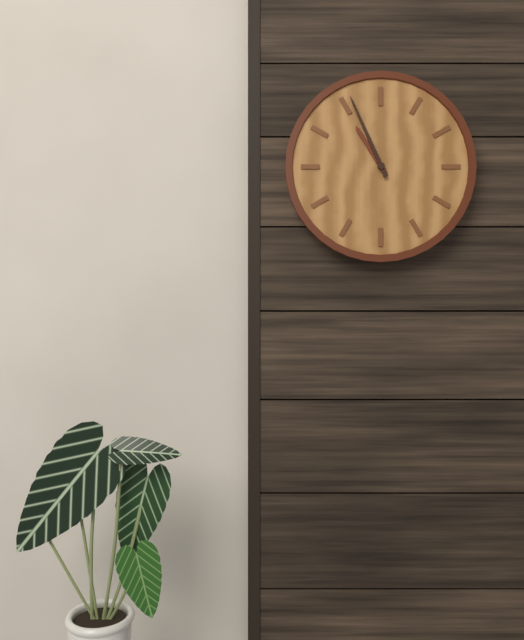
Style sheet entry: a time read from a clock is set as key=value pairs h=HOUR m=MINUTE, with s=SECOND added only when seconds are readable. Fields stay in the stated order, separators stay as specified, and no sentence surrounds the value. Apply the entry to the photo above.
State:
h=10 m=56
